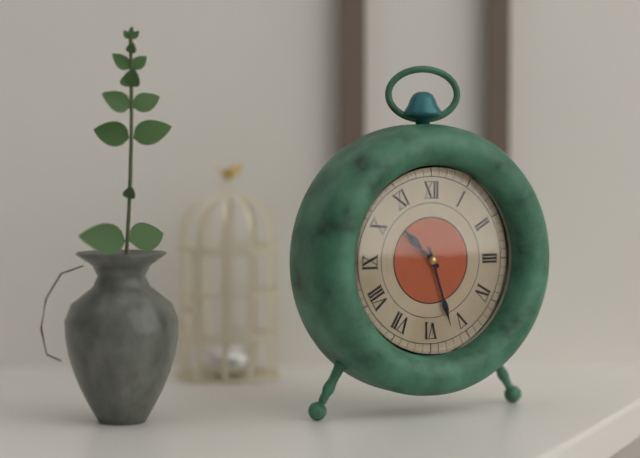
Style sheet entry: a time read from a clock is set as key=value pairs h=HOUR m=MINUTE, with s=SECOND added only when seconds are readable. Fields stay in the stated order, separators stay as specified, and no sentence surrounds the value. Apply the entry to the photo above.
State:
h=10 m=27
